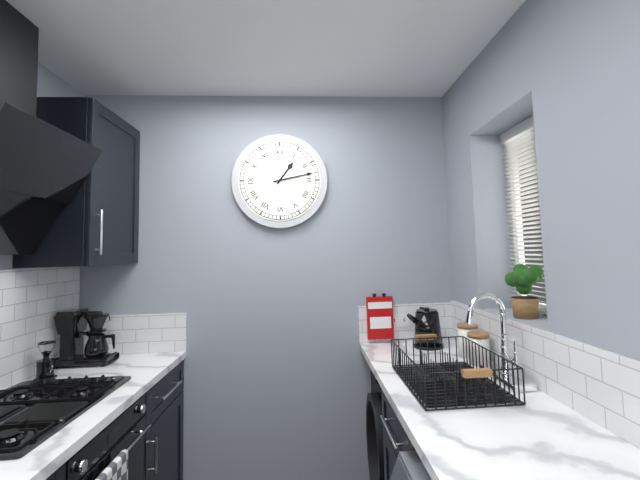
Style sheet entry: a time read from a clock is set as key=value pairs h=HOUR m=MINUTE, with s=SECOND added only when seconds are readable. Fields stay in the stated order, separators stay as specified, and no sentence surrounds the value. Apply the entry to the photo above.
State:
h=1 m=13
